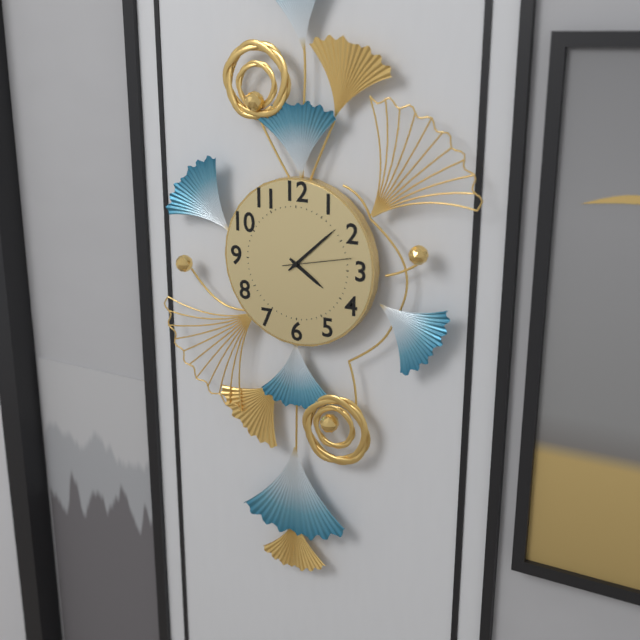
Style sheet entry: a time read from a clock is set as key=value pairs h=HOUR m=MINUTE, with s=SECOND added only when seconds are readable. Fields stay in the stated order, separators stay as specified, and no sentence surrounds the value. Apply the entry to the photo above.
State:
h=4 m=8 s=13
